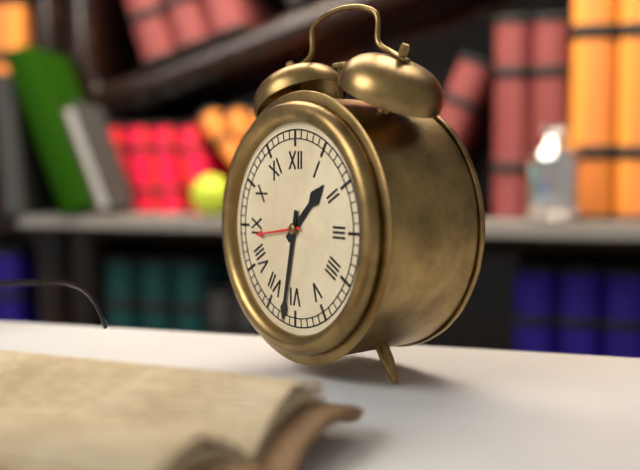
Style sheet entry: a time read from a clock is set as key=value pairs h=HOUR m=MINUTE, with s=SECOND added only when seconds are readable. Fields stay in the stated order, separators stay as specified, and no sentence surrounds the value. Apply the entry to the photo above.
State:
h=1 m=32
